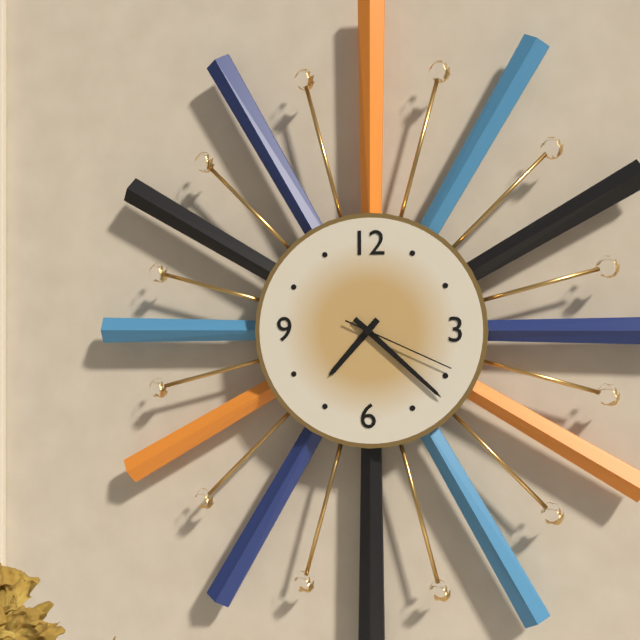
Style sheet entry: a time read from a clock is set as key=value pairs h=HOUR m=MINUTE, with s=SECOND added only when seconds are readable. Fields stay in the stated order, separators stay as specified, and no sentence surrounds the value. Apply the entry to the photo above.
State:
h=7 m=22 s=19
